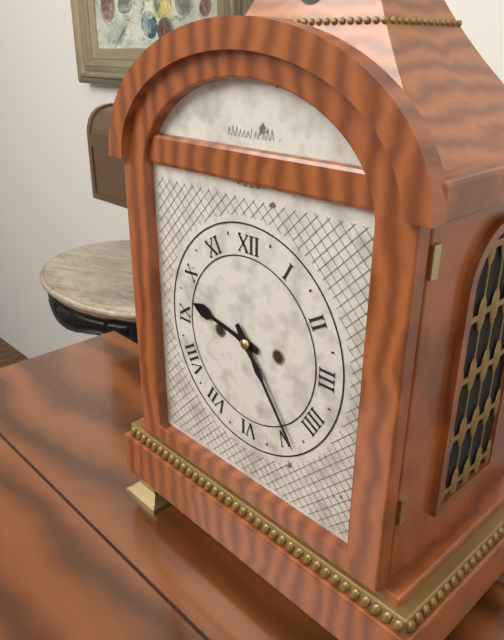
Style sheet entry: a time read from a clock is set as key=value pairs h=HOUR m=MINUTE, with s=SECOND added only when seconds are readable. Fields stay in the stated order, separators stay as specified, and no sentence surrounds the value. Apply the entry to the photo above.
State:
h=9 m=24
